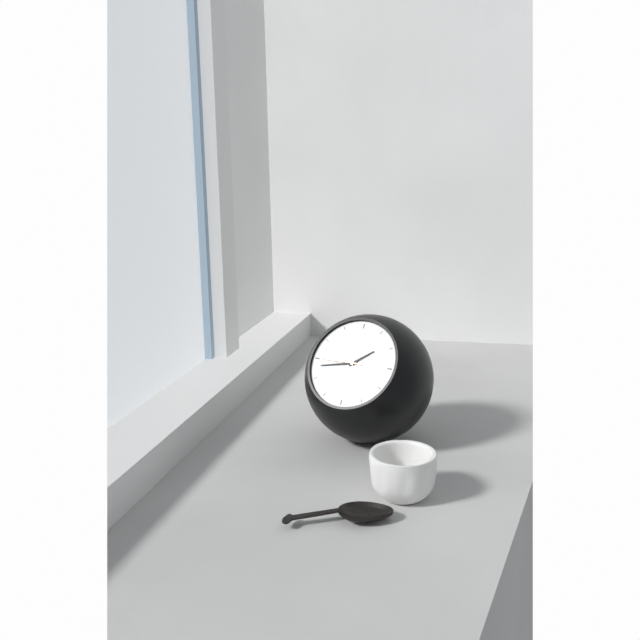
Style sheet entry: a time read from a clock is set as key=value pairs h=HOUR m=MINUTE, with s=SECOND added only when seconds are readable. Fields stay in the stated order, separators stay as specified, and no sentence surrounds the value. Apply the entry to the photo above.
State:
h=1 m=43 s=45
